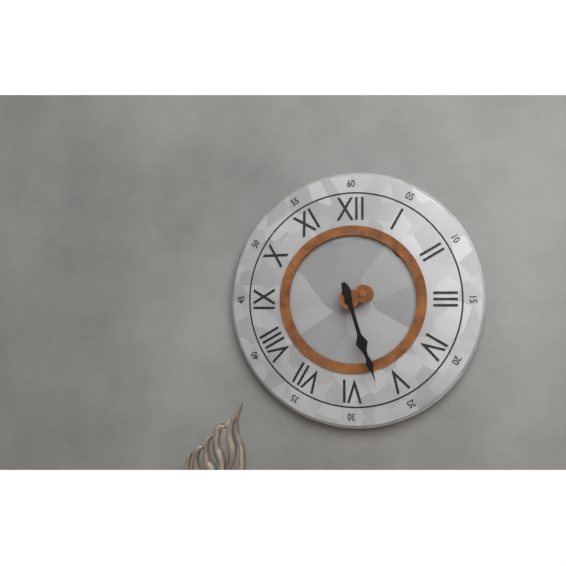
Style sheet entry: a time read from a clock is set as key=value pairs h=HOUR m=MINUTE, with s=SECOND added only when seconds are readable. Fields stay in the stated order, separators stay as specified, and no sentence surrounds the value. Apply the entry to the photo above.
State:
h=5 m=27
